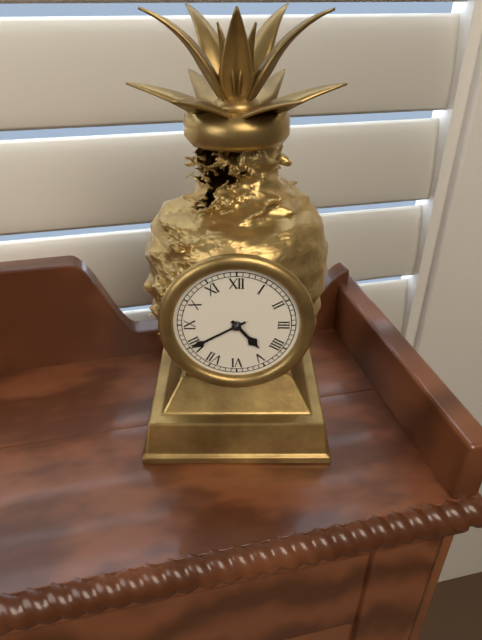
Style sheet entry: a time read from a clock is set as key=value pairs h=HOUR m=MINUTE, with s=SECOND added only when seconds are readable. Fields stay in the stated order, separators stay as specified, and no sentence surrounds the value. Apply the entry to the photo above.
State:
h=4 m=40
